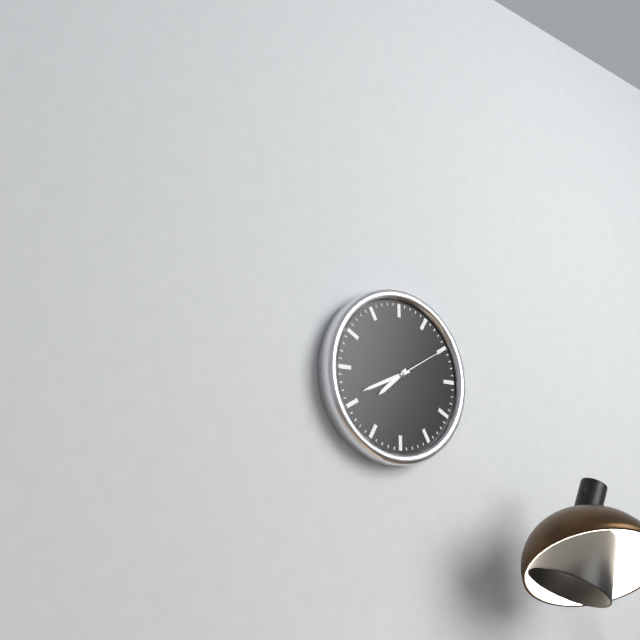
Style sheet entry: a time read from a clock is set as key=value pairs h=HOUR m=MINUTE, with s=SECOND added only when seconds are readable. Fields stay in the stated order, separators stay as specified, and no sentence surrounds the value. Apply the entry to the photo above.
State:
h=7 m=41 s=10
